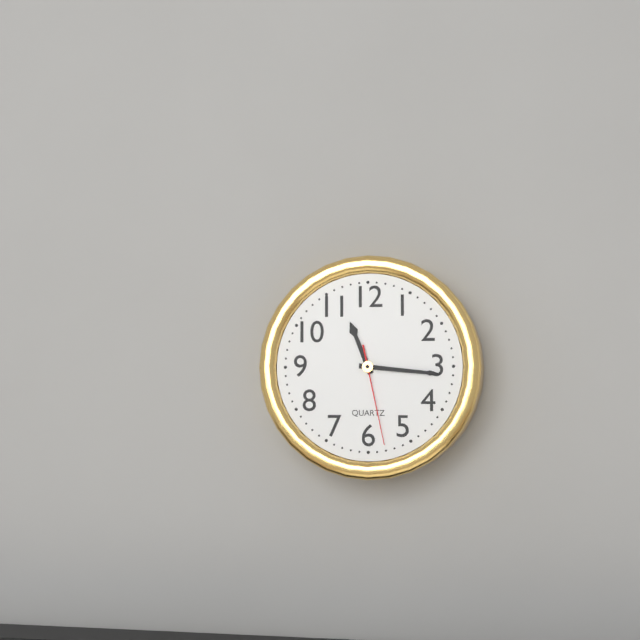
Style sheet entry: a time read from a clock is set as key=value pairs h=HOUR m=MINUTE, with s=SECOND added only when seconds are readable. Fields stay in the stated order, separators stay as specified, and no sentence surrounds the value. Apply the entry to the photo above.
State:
h=11 m=16 s=28
